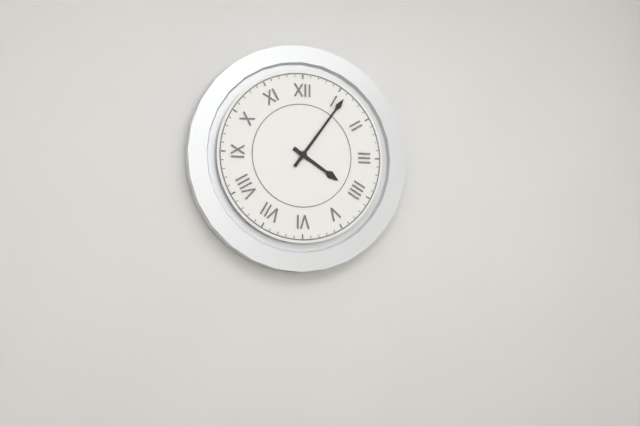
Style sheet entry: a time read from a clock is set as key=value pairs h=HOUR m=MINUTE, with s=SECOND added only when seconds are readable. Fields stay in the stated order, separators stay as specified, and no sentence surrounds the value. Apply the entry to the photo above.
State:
h=4 m=6
